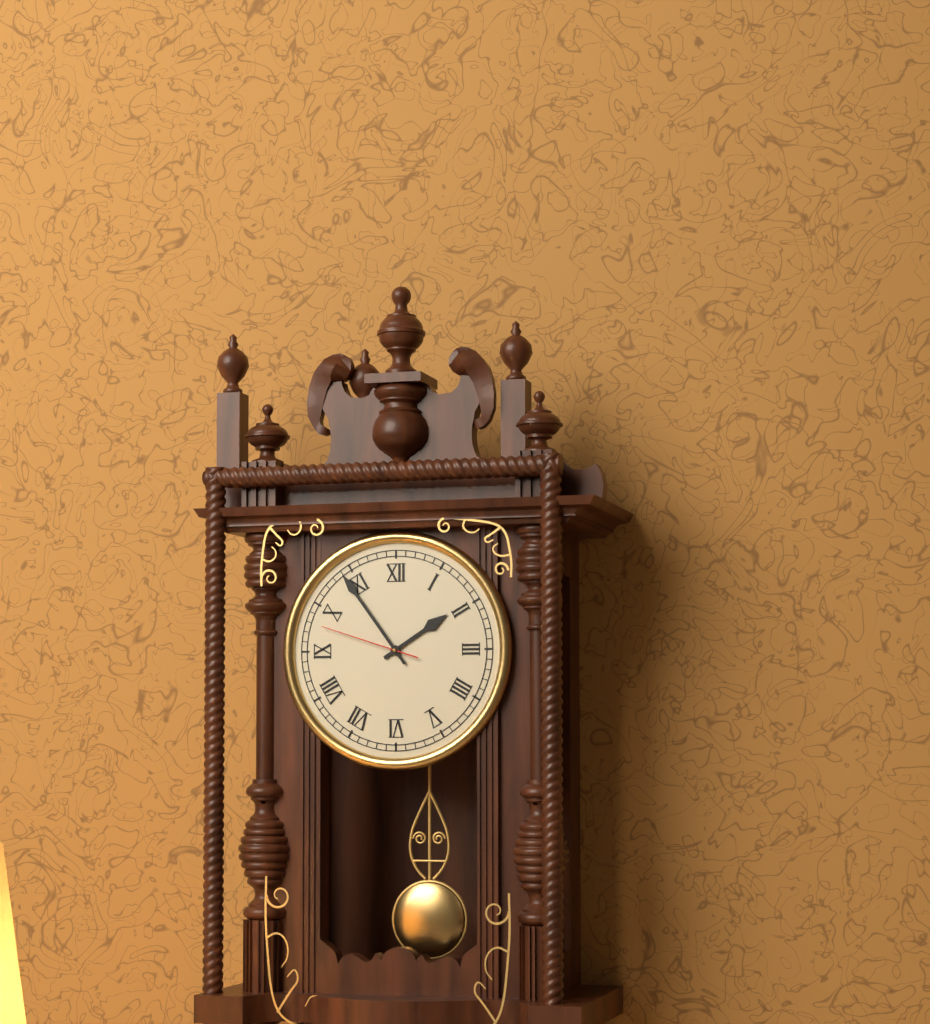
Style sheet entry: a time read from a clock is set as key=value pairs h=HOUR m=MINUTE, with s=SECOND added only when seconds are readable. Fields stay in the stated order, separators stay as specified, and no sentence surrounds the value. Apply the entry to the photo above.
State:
h=1 m=54 s=48
